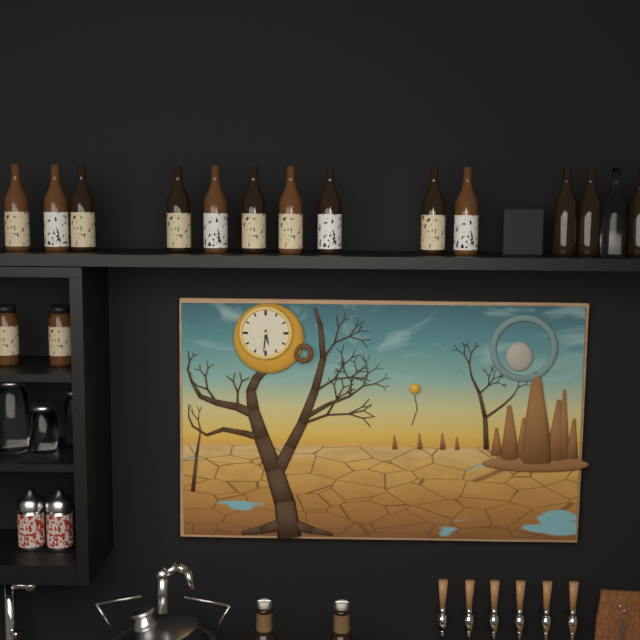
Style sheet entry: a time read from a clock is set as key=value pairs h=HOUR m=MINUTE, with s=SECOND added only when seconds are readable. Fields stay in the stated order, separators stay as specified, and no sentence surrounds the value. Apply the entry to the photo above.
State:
h=5 m=31
